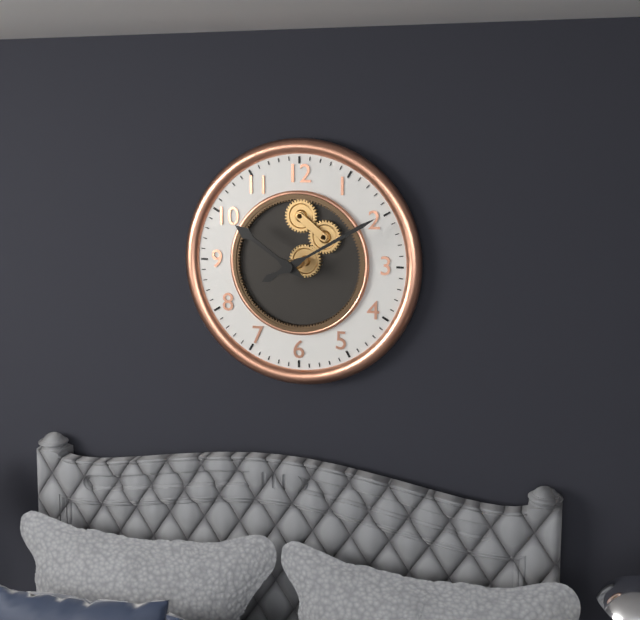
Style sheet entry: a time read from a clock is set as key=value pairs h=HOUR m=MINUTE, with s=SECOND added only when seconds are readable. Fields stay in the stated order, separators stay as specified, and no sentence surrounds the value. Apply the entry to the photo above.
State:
h=10 m=10
